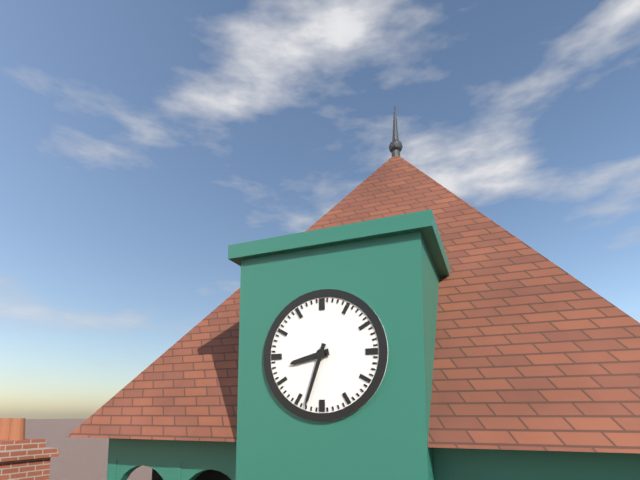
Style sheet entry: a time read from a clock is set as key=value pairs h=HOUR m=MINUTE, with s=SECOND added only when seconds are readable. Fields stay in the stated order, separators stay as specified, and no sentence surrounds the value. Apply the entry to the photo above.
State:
h=8 m=33
